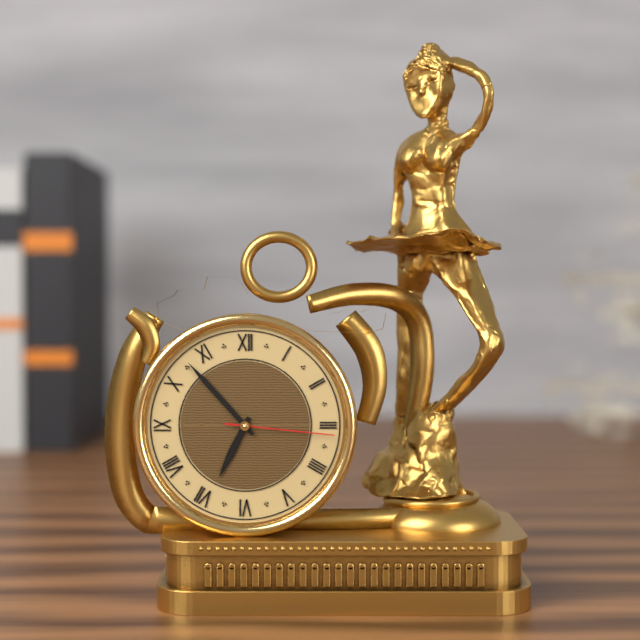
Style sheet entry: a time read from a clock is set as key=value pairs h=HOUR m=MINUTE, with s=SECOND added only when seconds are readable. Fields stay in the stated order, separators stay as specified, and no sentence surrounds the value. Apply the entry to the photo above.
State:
h=6 m=53 s=16
